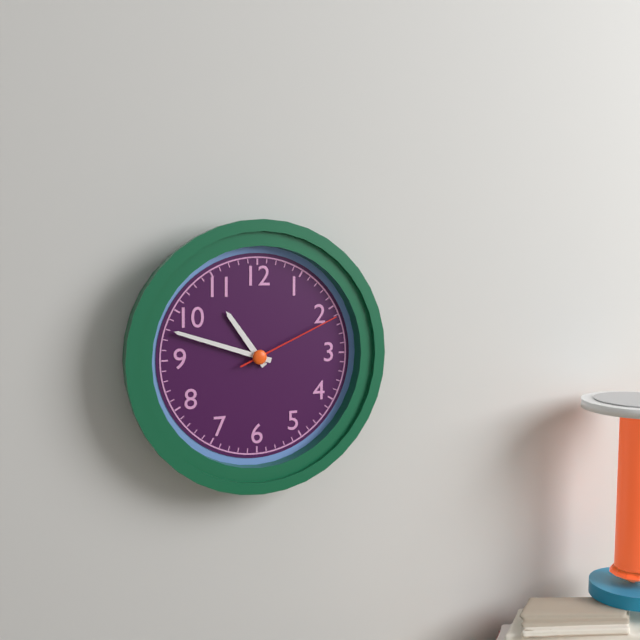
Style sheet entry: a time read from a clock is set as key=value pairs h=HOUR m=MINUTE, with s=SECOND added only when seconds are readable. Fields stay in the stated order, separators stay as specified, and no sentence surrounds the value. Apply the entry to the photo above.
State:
h=10 m=48 s=11
